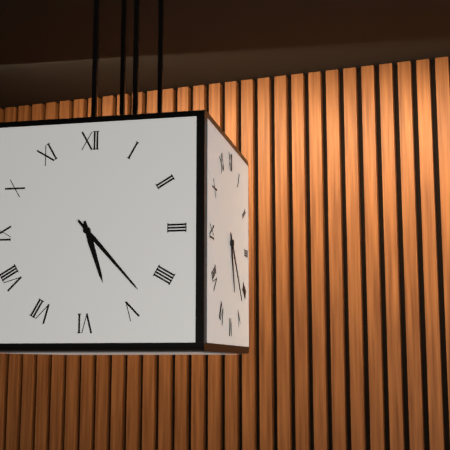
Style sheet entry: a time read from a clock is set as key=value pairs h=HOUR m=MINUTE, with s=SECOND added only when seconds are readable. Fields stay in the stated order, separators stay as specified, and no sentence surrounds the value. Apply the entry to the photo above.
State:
h=5 m=23
